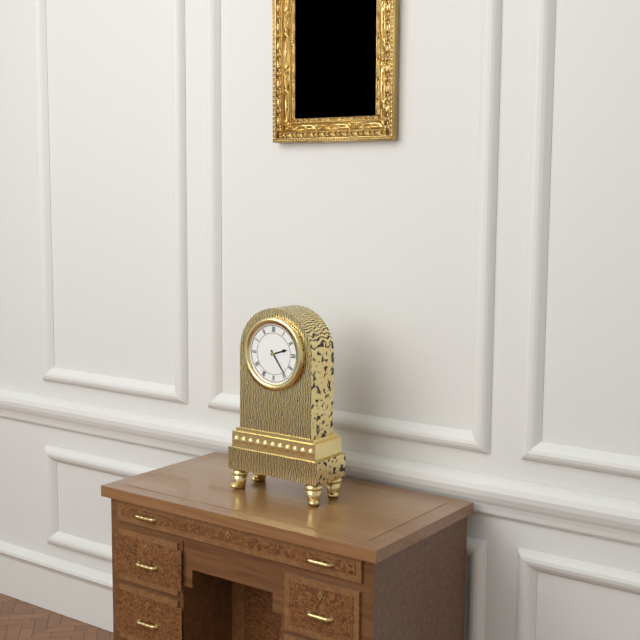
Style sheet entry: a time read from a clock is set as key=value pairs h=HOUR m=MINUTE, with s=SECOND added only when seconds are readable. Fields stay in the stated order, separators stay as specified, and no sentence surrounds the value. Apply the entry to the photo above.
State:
h=2 m=24
